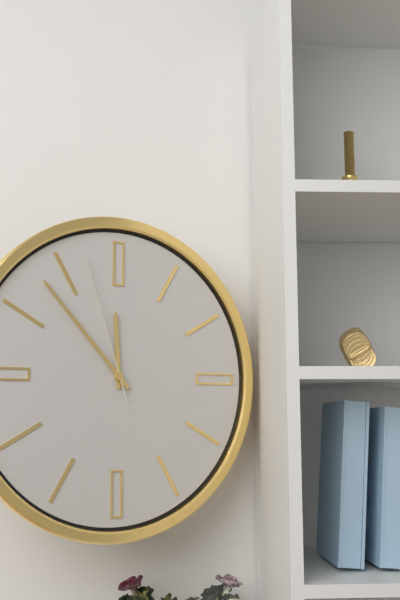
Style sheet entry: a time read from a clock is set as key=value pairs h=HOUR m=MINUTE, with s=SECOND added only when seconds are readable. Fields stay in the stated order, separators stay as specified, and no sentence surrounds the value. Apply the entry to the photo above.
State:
h=11 m=53 s=57
